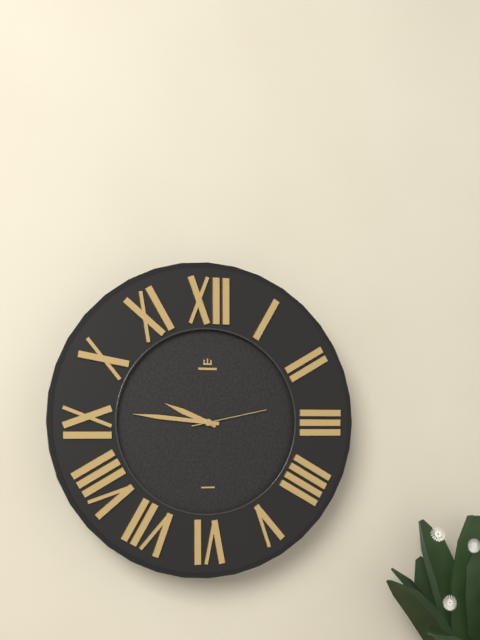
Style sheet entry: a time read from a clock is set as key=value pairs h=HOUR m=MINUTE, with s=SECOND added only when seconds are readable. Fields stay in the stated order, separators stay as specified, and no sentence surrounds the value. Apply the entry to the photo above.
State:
h=9 m=46 s=13
